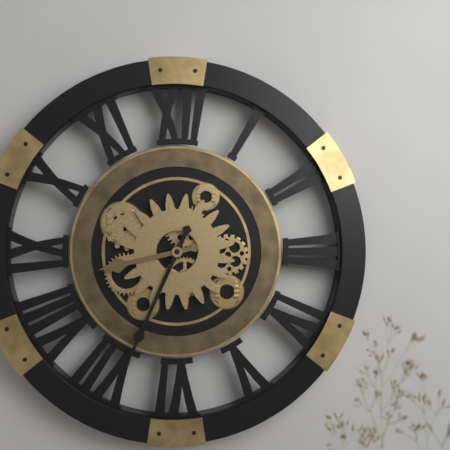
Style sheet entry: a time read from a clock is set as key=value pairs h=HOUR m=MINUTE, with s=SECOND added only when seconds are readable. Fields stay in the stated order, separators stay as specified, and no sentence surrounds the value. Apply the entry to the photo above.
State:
h=8 m=34
